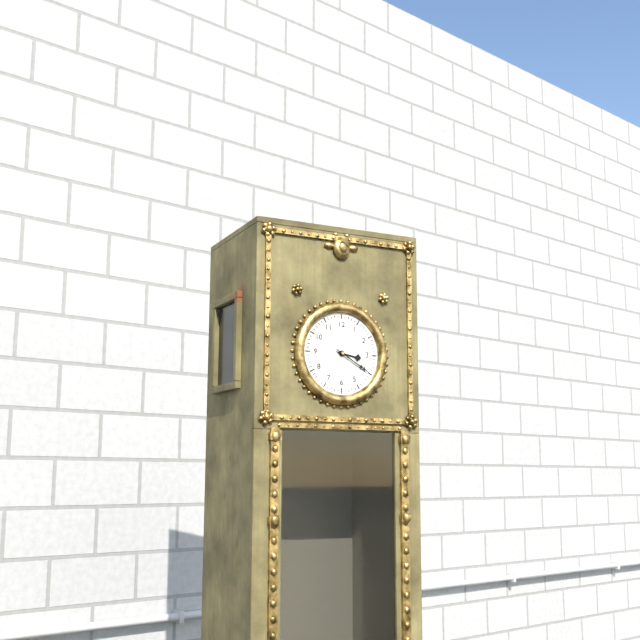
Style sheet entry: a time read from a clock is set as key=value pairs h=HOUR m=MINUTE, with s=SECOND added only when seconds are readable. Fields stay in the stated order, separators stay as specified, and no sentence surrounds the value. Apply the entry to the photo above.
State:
h=3 m=20
